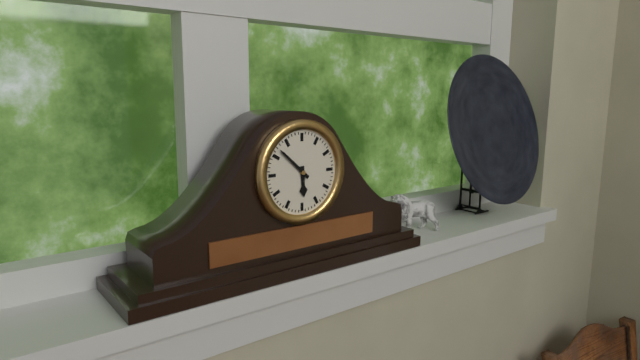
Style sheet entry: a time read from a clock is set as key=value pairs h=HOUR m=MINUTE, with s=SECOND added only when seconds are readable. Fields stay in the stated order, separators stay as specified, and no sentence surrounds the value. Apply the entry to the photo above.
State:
h=5 m=52
